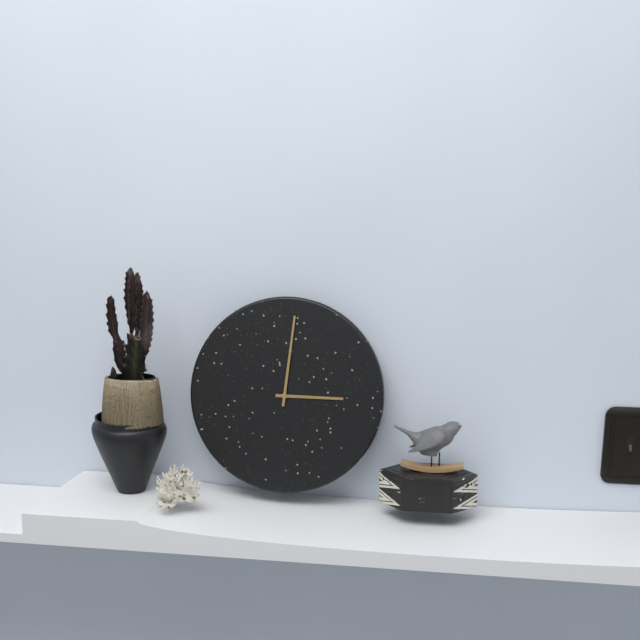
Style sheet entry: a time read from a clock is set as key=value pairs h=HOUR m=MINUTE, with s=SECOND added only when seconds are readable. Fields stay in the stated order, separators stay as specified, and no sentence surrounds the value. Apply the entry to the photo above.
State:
h=3 m=1
